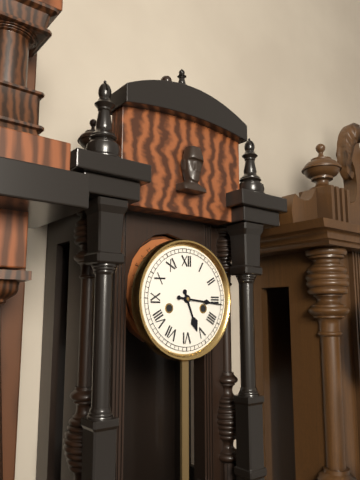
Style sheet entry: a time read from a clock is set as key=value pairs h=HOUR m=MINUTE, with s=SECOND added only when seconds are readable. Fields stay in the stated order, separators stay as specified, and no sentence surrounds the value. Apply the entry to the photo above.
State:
h=5 m=16
